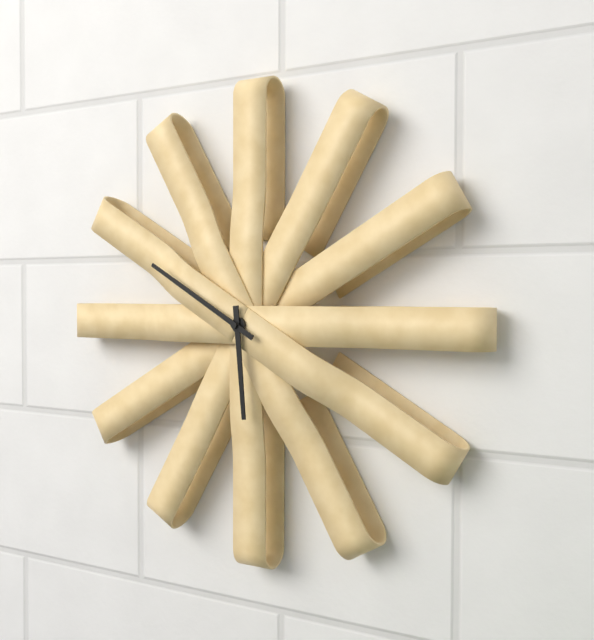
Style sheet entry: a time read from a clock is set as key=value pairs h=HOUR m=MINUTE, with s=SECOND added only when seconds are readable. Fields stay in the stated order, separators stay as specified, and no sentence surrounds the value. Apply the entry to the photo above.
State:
h=5 m=50
